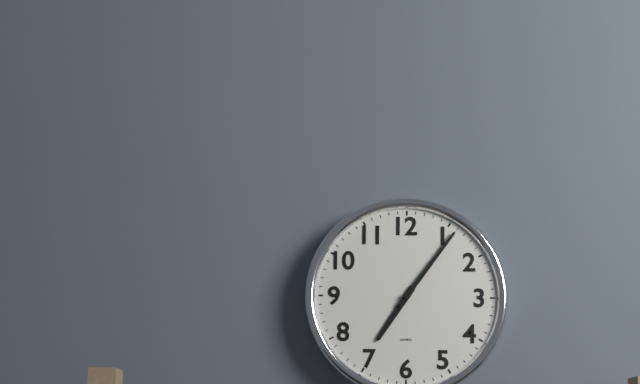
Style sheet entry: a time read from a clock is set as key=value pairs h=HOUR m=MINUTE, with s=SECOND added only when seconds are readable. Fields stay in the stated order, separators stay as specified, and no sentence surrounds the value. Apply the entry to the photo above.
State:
h=7 m=6
